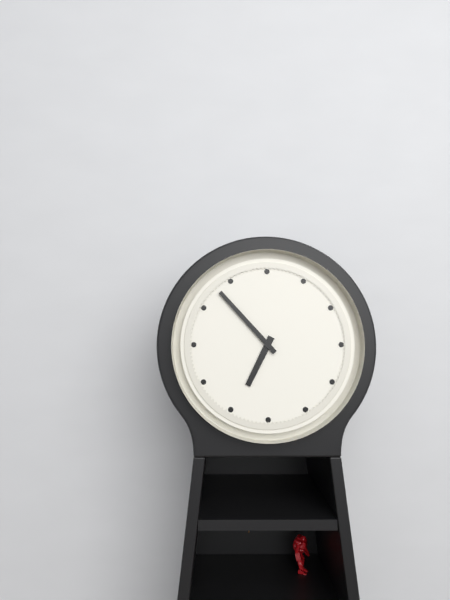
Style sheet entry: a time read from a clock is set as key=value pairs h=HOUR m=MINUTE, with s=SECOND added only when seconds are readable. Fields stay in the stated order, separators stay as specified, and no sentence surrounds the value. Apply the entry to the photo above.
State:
h=6 m=53
